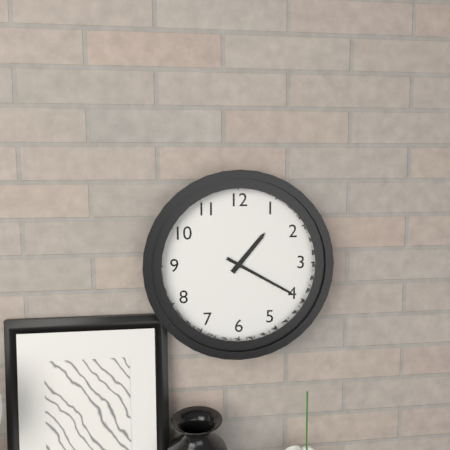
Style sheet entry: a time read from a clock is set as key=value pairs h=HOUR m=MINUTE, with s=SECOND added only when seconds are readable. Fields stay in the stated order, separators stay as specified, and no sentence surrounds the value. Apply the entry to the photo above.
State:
h=1 m=20
